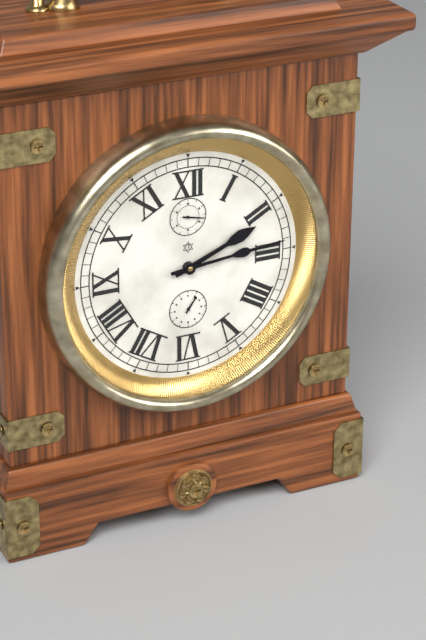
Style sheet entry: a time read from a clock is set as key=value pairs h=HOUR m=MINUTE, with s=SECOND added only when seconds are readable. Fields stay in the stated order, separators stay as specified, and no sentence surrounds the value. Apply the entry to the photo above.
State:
h=2 m=14
